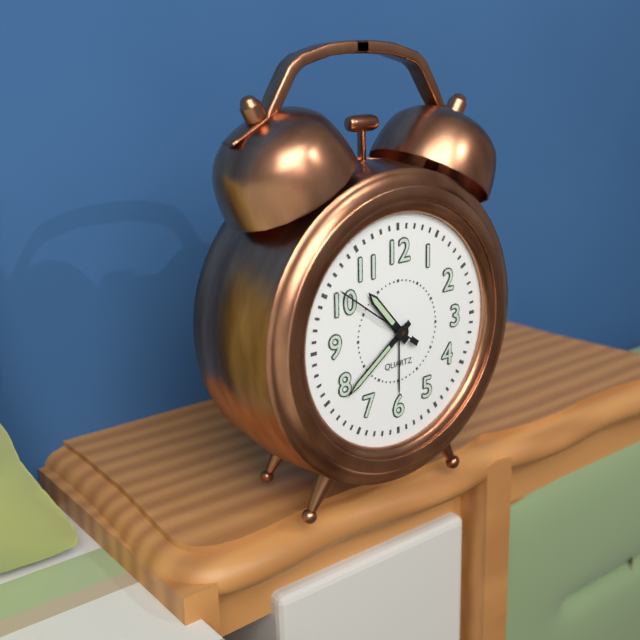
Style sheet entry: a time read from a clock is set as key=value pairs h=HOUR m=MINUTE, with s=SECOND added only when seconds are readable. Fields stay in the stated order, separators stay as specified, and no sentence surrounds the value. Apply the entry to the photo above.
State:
h=10 m=39 s=51
